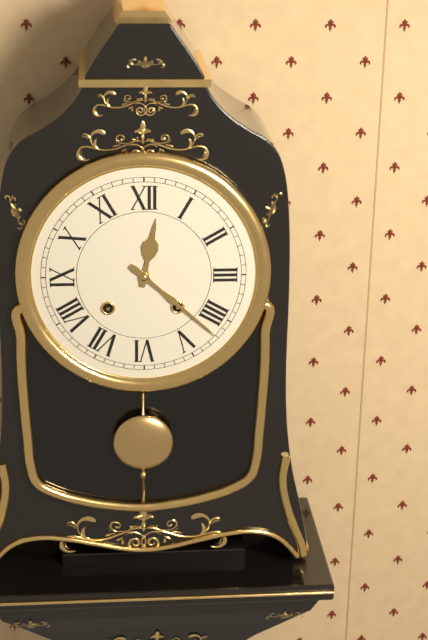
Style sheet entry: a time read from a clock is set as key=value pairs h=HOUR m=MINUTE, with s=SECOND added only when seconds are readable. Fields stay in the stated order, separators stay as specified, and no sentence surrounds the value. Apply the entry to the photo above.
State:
h=12 m=22
